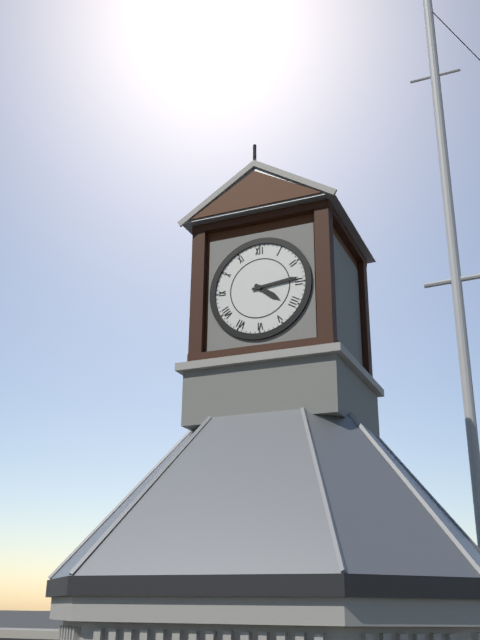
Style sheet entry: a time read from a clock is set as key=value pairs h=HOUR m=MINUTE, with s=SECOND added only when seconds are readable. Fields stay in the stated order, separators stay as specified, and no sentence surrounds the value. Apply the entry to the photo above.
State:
h=4 m=14
